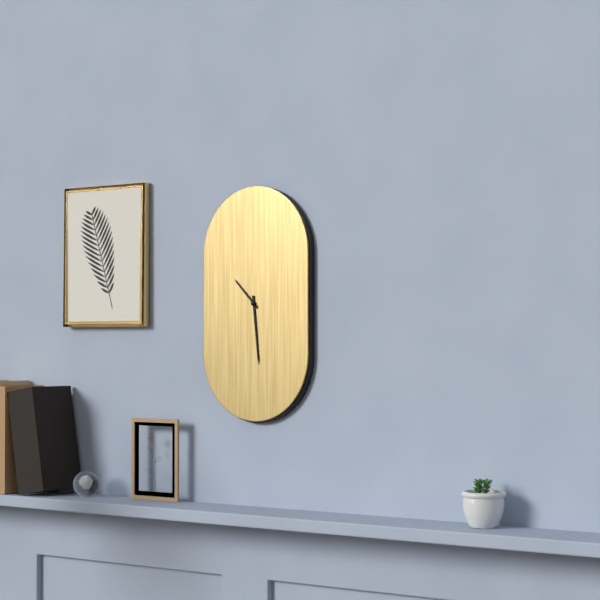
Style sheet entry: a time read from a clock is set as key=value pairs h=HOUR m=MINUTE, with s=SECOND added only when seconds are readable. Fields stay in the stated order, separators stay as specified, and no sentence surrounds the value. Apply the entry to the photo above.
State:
h=10 m=29
